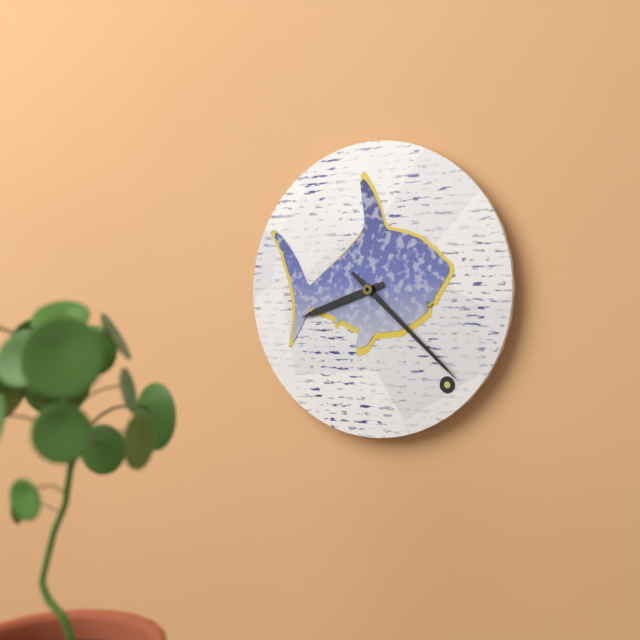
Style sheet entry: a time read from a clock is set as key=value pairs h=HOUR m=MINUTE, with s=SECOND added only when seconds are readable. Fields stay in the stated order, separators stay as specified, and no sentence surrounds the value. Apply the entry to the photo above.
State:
h=8 m=22
